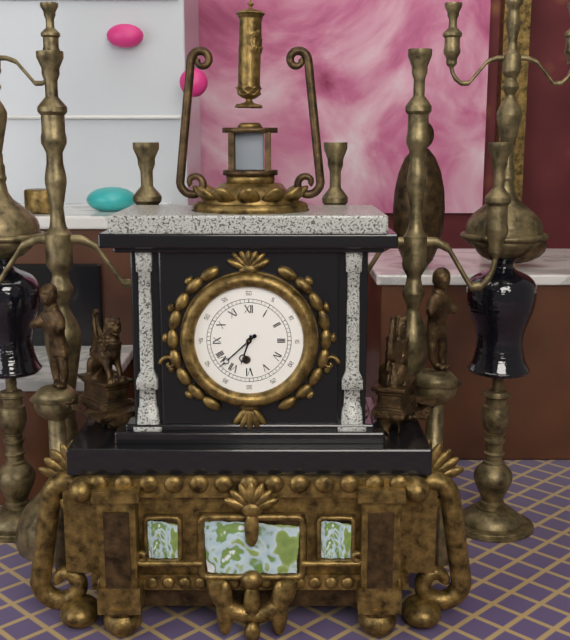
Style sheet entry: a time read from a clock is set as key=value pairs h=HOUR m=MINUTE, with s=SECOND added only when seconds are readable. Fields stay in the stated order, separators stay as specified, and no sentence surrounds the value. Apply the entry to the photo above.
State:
h=6 m=38
